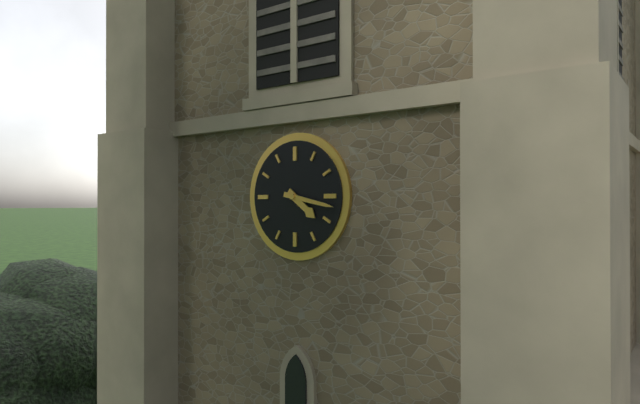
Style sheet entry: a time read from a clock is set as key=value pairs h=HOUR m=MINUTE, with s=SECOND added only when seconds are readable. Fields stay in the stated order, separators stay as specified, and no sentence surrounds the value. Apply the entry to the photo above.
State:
h=4 m=17
